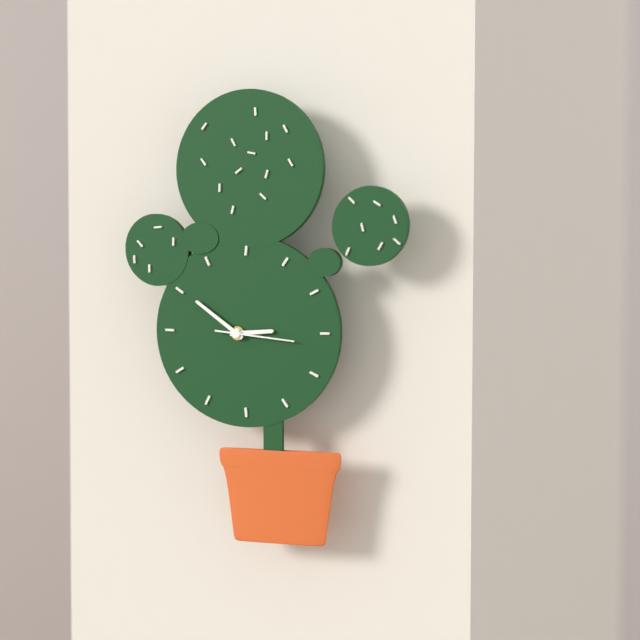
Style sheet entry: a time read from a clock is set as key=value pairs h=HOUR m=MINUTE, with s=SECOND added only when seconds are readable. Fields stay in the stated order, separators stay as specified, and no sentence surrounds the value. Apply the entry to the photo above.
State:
h=2 m=51
